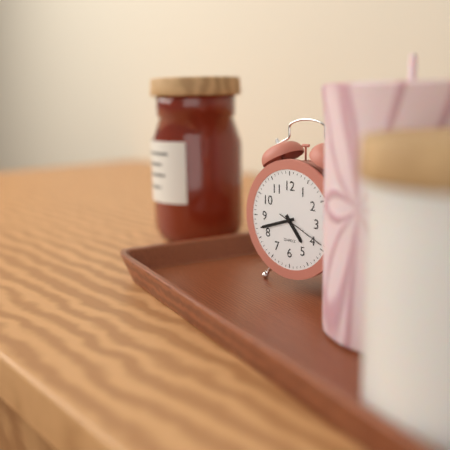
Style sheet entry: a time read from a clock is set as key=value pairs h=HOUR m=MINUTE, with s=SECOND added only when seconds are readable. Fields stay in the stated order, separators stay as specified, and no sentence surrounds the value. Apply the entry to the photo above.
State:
h=4 m=42 s=19
